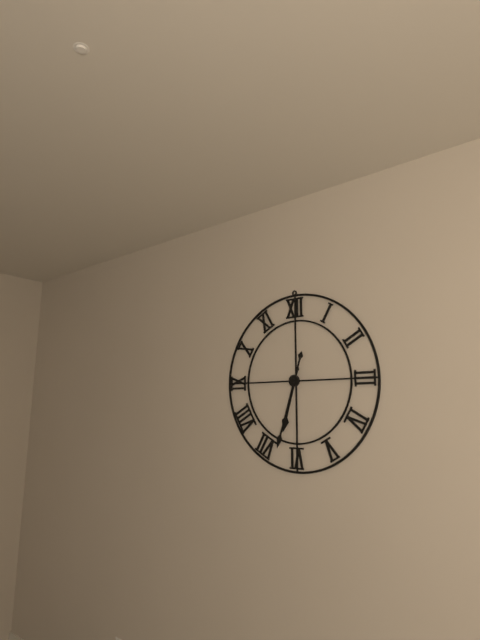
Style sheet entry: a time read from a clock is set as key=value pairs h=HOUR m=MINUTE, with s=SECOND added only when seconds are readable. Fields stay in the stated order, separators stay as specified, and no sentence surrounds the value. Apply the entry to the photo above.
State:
h=6 m=33
